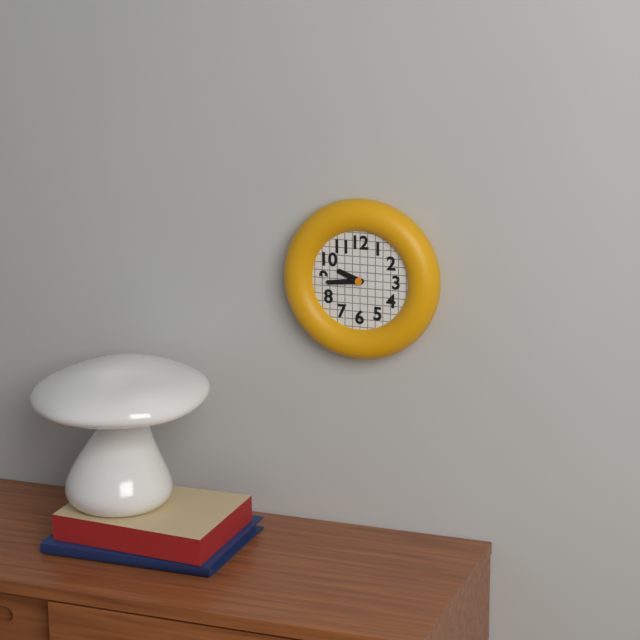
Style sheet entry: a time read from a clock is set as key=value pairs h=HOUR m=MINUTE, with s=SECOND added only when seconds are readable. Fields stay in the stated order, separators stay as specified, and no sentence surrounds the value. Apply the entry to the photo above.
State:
h=9 m=44
